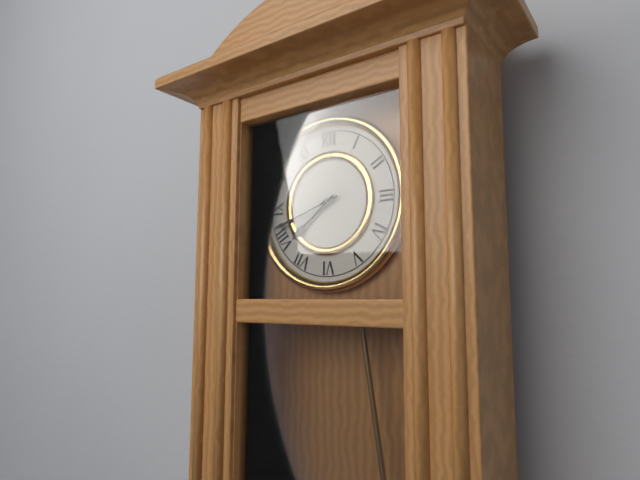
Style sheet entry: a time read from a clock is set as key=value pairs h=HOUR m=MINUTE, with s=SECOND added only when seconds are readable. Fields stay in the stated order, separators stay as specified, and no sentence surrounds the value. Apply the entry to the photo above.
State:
h=7 m=42
